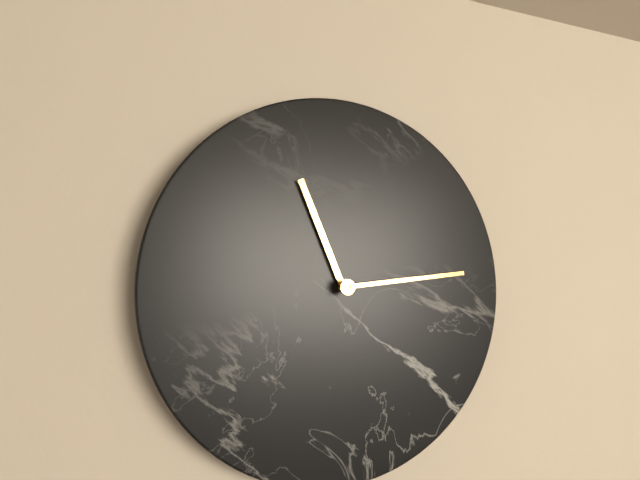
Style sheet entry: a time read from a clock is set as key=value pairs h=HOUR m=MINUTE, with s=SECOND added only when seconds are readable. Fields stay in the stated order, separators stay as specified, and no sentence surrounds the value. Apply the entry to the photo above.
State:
h=11 m=14
